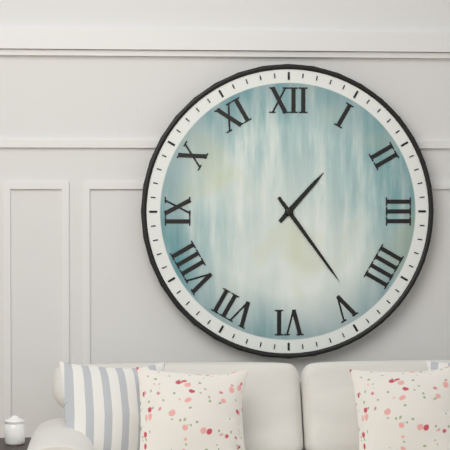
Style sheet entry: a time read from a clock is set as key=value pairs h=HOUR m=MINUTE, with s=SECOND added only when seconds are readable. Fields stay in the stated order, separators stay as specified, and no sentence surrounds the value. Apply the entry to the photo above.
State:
h=1 m=24
